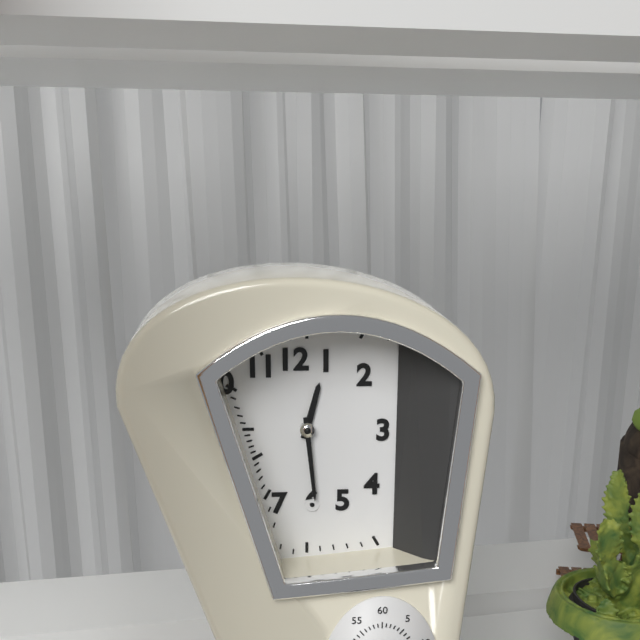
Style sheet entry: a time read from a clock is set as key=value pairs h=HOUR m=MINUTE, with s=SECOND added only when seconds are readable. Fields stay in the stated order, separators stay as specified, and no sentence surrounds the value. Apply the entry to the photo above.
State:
h=12 m=29
